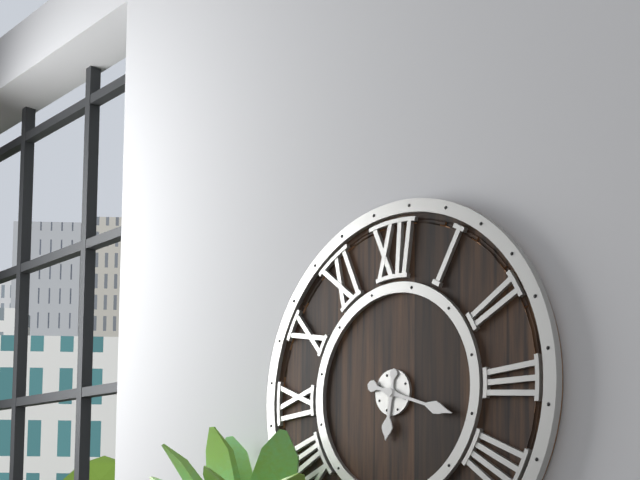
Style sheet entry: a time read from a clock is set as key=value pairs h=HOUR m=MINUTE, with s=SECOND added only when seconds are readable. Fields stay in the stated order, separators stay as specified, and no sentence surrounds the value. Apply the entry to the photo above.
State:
h=6 m=18
